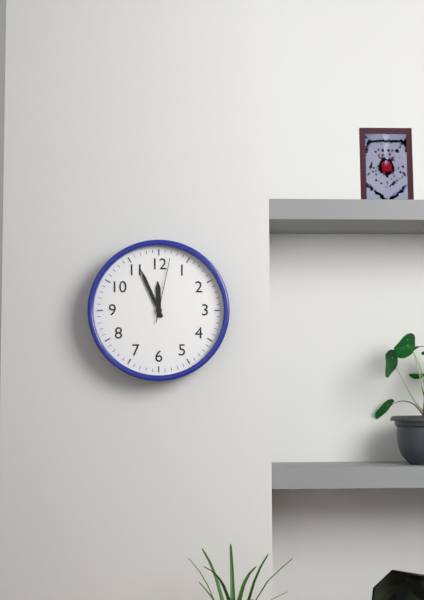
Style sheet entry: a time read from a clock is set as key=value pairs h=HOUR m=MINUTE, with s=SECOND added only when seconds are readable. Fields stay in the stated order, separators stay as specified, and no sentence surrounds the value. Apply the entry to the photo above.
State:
h=11 m=56 s=2
